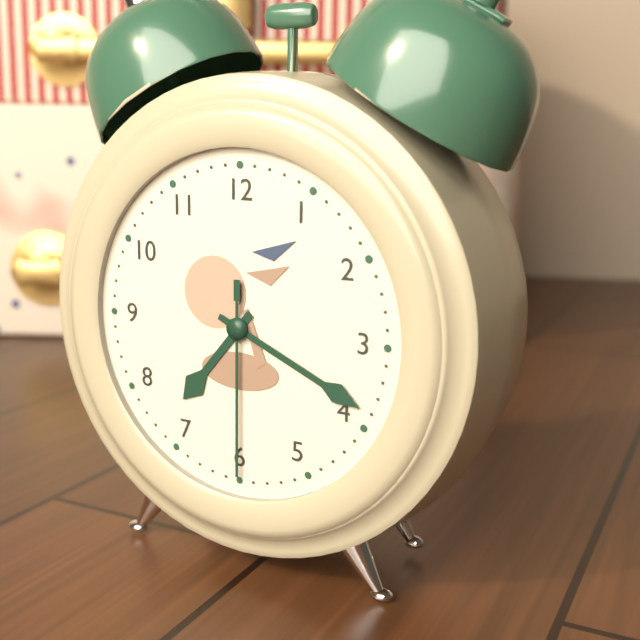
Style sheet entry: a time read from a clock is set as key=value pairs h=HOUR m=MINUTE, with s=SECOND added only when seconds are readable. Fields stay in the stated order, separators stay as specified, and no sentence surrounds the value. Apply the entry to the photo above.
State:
h=7 m=19 s=30
